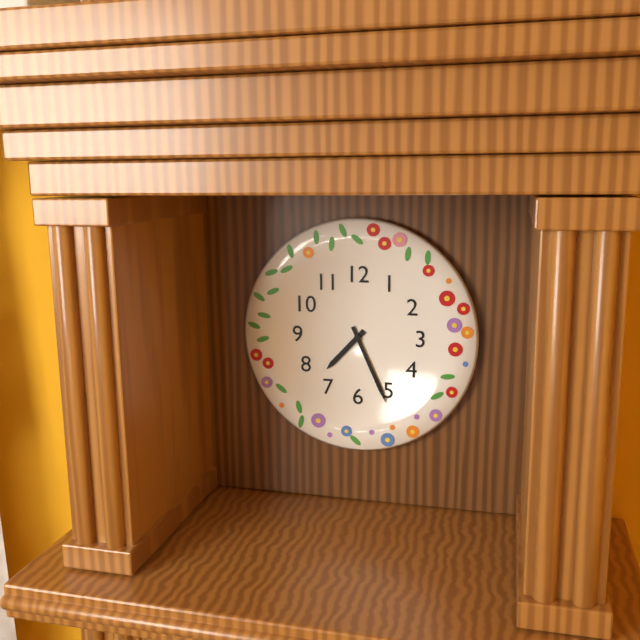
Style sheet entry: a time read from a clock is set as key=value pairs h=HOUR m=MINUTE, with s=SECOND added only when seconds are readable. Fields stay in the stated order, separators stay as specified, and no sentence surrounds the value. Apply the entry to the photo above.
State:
h=7 m=26
